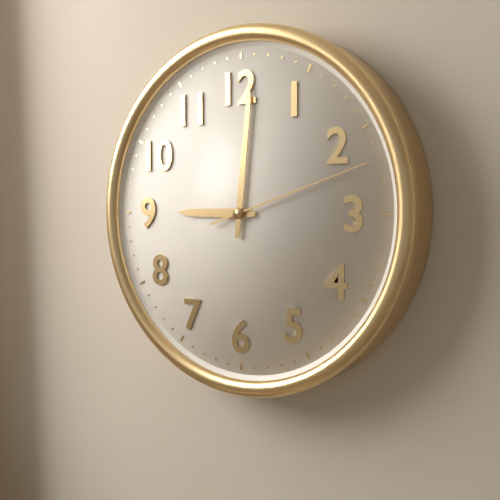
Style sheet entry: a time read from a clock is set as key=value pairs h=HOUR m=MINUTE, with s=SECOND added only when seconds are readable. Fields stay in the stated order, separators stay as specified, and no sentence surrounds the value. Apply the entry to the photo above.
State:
h=9 m=1 s=12
